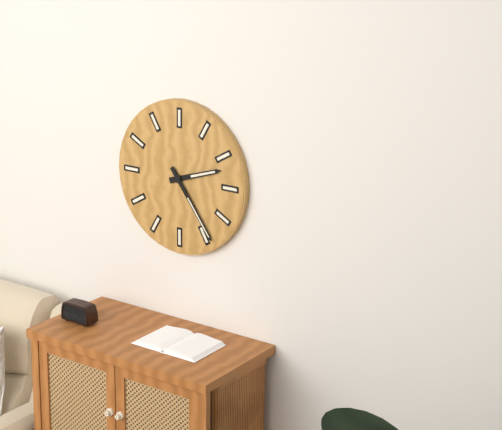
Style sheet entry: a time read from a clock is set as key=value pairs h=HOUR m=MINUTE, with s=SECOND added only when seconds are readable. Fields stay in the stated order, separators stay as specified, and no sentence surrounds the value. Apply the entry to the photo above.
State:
h=2 m=24
